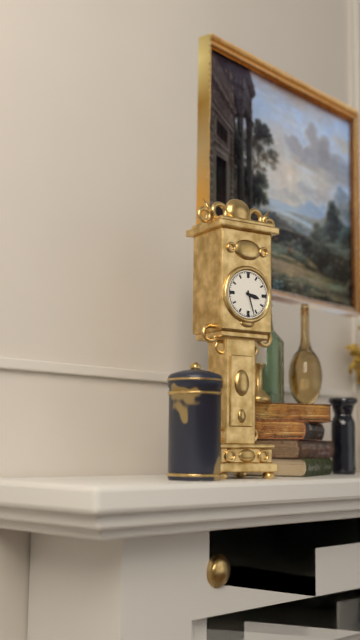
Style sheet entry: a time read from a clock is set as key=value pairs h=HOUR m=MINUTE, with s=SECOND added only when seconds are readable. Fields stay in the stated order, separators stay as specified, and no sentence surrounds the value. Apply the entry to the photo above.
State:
h=3 m=27
